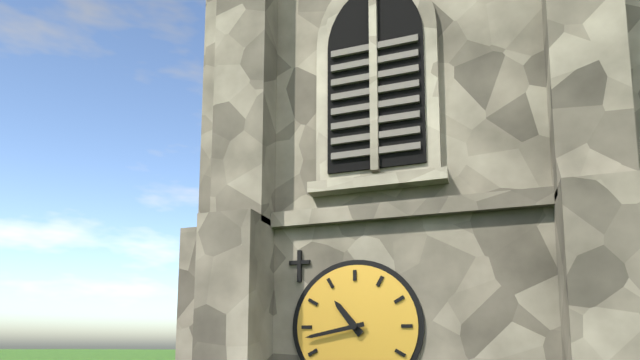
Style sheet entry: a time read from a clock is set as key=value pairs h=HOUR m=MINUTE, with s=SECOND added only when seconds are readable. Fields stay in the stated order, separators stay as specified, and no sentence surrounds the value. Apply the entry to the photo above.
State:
h=10 m=43
